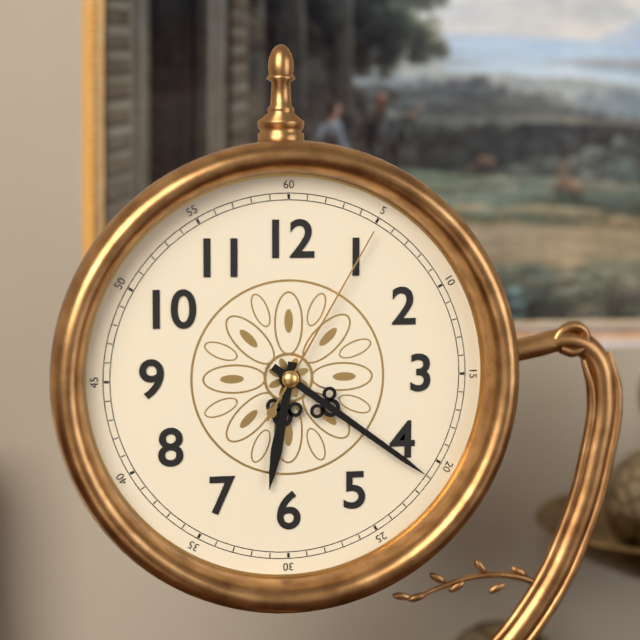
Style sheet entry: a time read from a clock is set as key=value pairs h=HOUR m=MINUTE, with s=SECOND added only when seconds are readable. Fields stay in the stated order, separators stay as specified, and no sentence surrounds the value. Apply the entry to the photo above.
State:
h=6 m=21 s=5
